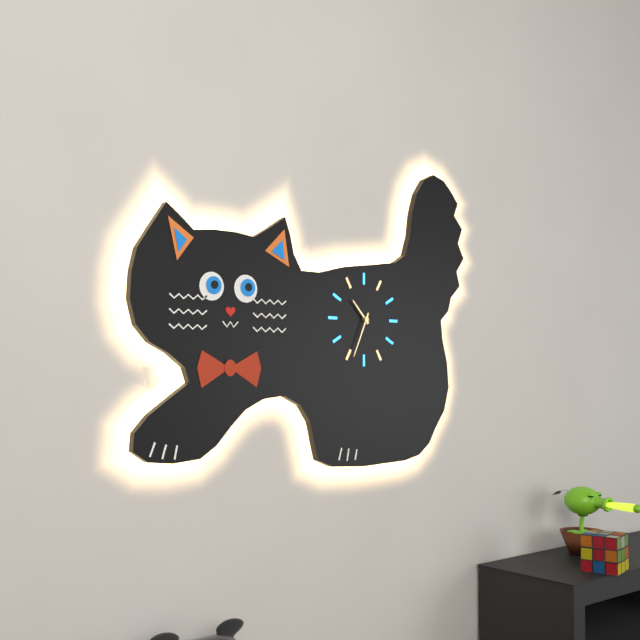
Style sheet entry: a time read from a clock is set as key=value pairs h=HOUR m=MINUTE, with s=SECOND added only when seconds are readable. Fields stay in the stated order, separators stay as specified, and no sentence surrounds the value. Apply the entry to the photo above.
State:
h=10 m=34
